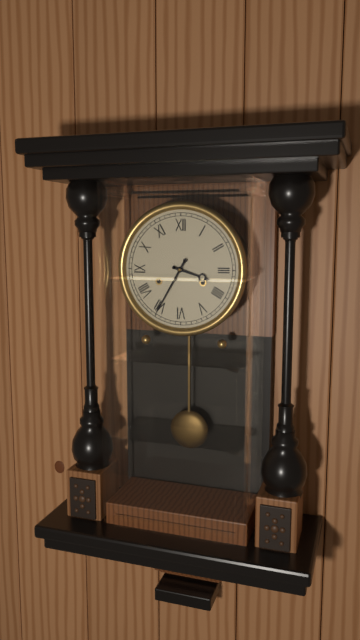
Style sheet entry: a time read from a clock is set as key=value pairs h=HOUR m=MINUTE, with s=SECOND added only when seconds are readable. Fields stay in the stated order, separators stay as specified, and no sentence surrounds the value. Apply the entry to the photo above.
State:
h=3 m=35
